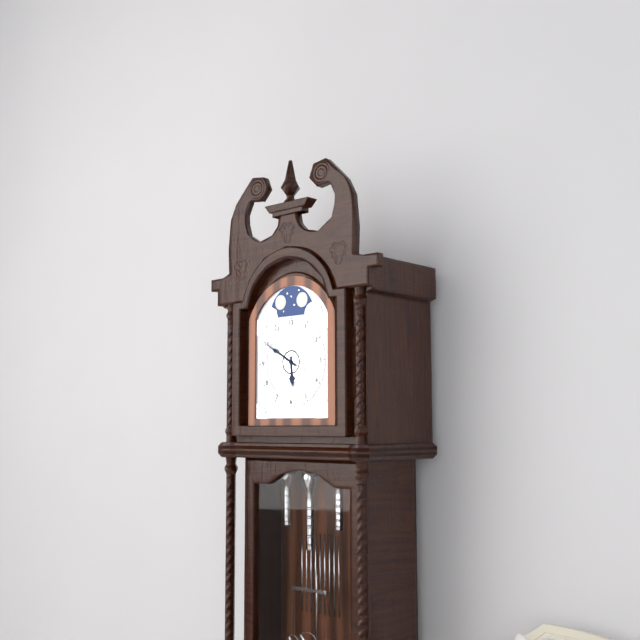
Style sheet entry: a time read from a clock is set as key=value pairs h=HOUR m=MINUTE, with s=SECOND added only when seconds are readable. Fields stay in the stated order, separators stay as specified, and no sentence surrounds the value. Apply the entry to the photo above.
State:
h=5 m=50
